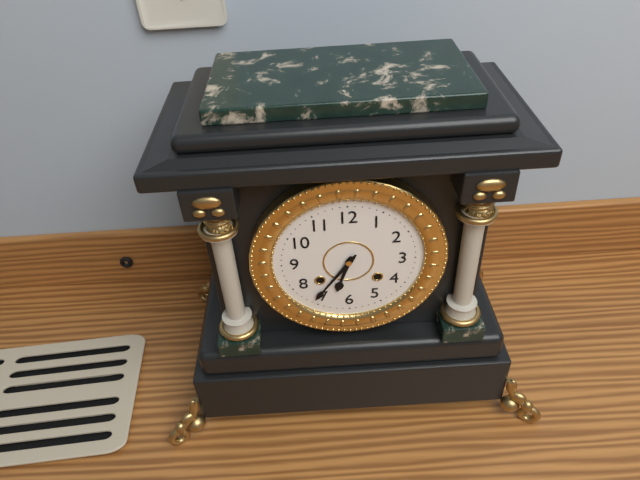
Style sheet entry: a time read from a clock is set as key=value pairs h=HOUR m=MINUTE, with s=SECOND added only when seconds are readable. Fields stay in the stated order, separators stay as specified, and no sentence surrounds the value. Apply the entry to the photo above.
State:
h=6 m=36
